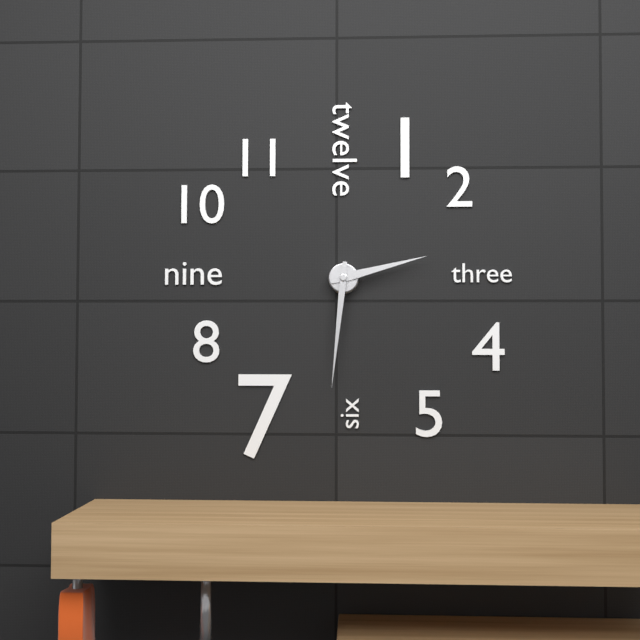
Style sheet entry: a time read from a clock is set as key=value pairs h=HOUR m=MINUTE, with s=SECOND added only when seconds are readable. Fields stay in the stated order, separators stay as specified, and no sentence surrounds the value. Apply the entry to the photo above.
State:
h=2 m=31
